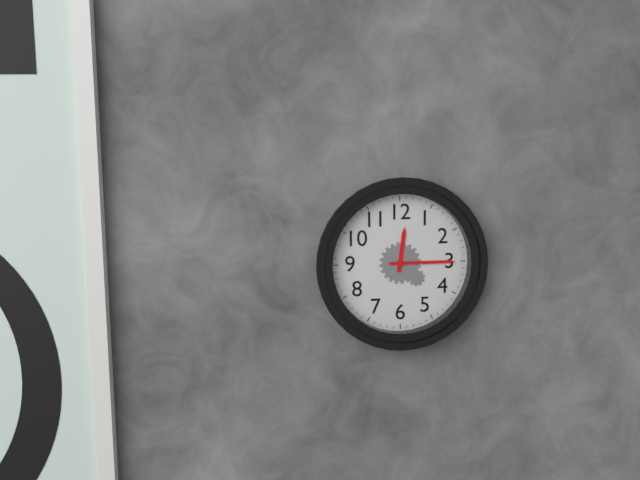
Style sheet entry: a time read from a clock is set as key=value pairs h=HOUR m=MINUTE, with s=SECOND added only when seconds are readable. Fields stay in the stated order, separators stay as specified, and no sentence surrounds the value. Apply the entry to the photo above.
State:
h=12 m=15
